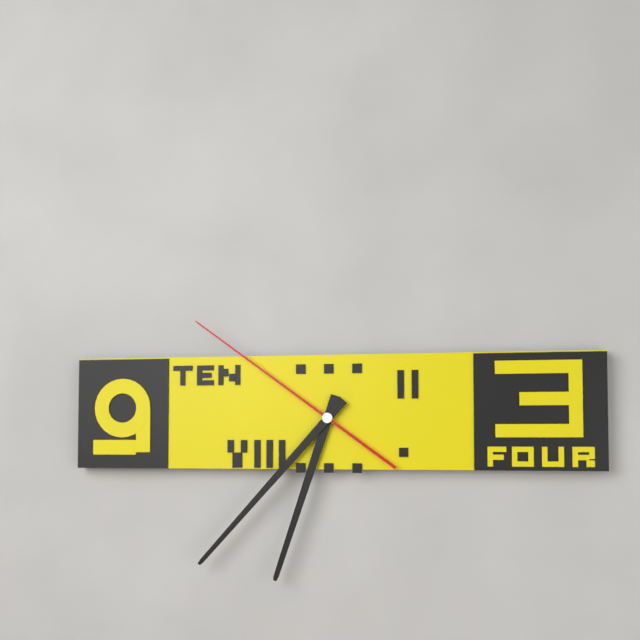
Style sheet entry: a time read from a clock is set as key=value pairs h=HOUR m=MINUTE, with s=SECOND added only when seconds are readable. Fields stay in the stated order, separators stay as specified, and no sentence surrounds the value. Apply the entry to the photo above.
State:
h=6 m=37 s=51
